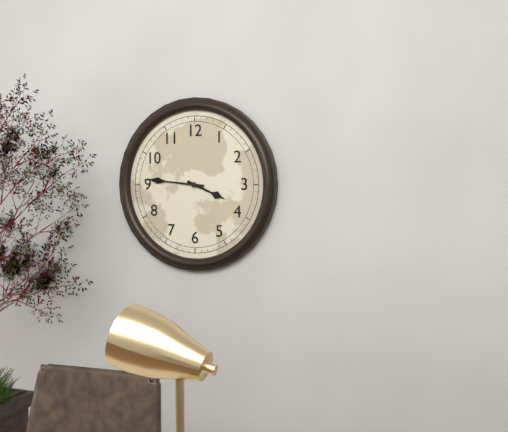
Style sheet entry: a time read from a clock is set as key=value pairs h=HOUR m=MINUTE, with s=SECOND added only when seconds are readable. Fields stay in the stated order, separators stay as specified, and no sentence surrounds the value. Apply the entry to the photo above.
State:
h=3 m=46
